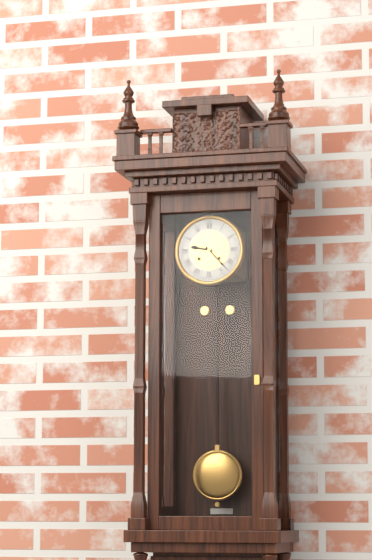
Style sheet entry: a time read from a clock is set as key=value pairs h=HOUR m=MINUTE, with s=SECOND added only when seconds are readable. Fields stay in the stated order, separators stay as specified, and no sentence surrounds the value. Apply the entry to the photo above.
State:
h=9 m=23
